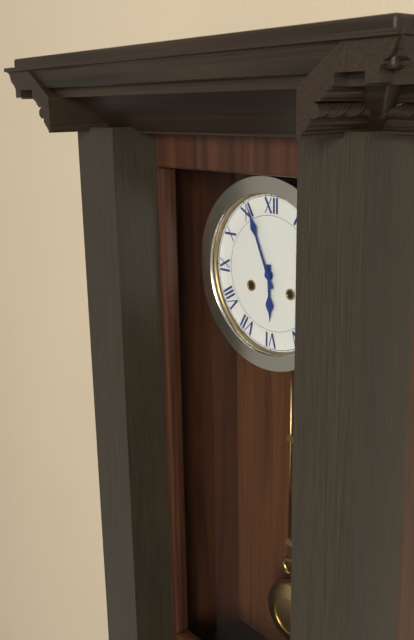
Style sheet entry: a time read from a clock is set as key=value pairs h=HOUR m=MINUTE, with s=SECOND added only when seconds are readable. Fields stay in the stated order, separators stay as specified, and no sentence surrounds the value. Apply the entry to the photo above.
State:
h=5 m=56
